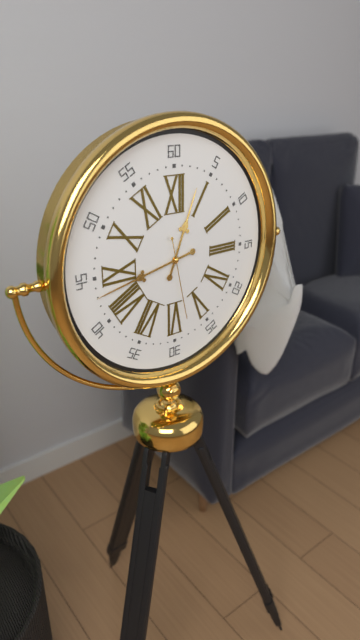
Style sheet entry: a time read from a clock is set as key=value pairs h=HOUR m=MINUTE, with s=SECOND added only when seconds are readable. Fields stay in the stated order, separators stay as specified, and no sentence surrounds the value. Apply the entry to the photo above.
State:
h=12 m=43 s=28
